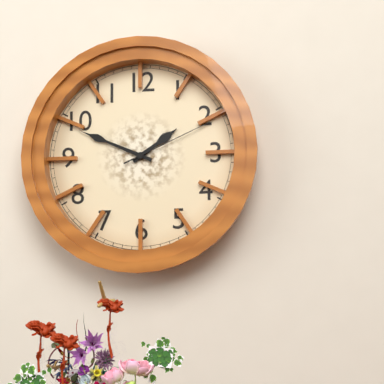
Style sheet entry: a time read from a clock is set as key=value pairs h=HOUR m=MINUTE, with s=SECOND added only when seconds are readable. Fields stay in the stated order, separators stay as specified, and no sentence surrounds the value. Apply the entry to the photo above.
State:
h=1 m=49 s=11
